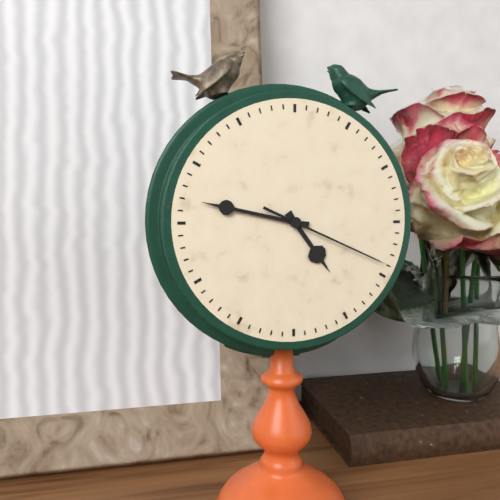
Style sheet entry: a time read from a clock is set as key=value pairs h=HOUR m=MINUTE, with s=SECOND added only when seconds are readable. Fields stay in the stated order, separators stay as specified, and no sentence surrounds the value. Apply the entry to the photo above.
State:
h=4 m=47 s=19
